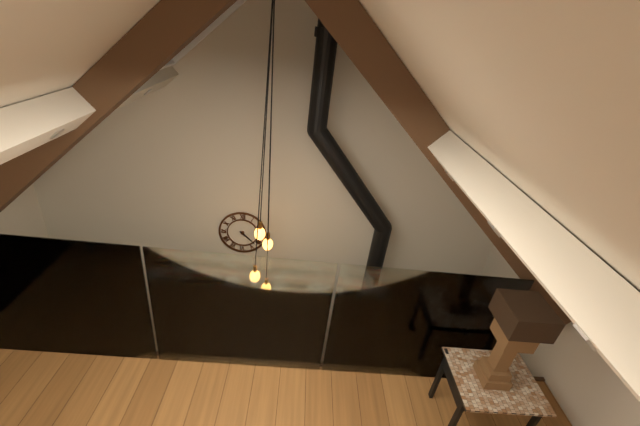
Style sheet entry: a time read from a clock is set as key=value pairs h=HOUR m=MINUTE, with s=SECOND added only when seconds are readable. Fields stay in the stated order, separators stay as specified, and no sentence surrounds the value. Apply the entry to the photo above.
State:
h=4 m=22
